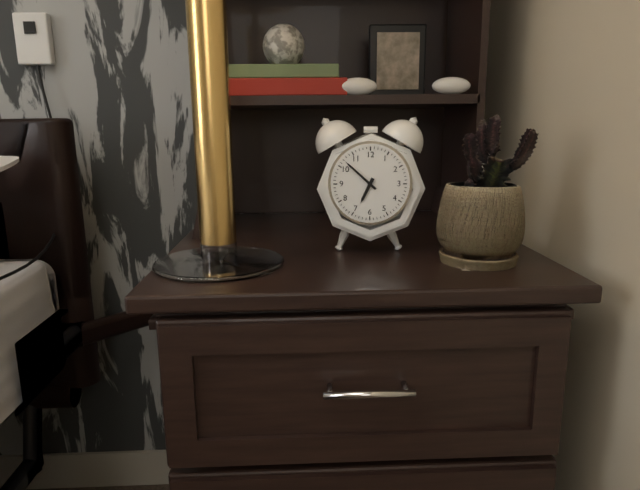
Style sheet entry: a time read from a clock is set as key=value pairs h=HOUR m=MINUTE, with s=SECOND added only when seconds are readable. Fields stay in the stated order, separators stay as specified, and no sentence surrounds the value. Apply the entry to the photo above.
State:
h=6 m=52
